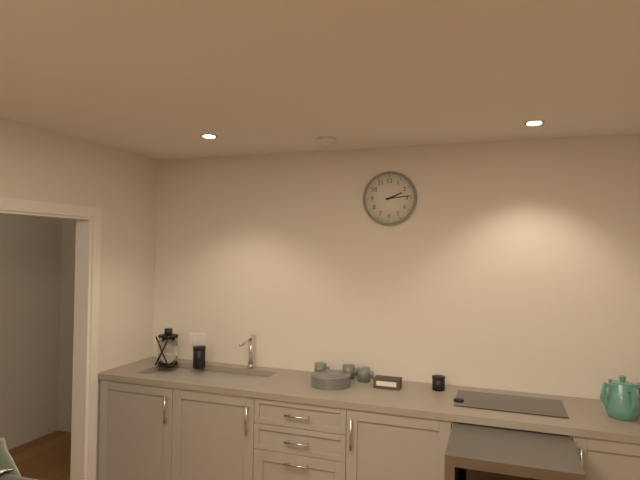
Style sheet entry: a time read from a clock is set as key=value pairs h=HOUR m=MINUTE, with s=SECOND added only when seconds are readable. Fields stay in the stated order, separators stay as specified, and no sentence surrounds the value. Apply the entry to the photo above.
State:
h=2 m=14
